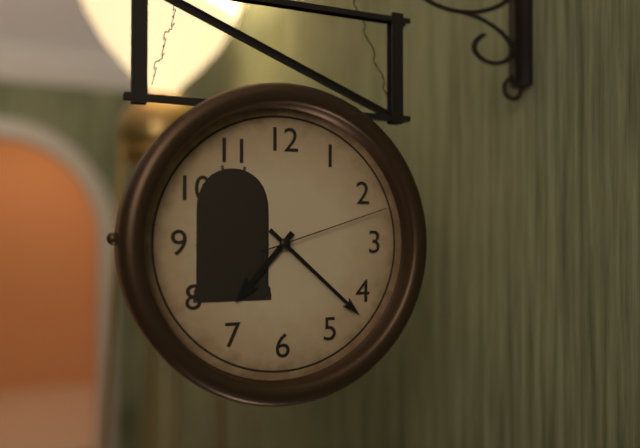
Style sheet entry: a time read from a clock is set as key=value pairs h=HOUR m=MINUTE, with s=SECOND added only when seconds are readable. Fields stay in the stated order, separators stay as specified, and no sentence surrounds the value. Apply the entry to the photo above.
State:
h=7 m=22 s=12
